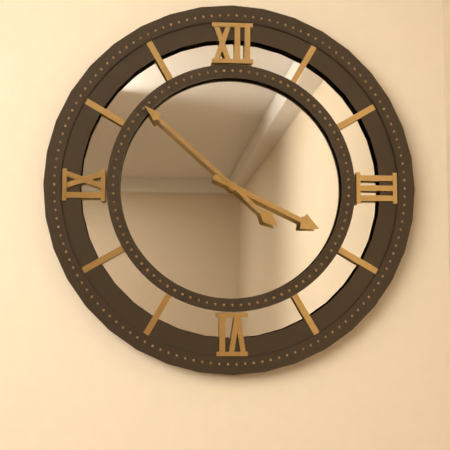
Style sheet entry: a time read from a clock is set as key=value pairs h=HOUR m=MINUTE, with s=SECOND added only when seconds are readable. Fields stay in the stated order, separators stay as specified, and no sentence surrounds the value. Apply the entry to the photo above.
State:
h=3 m=52
